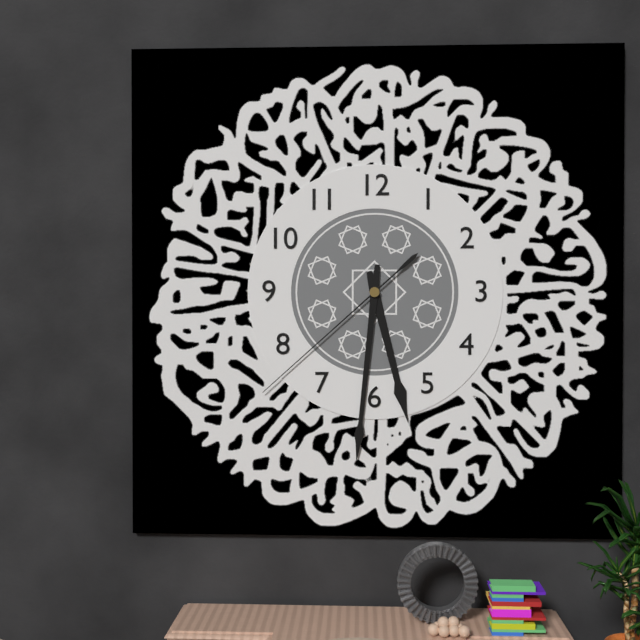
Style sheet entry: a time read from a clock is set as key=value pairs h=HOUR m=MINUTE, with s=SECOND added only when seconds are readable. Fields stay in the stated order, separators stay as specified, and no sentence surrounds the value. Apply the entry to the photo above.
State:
h=5 m=31 s=38
